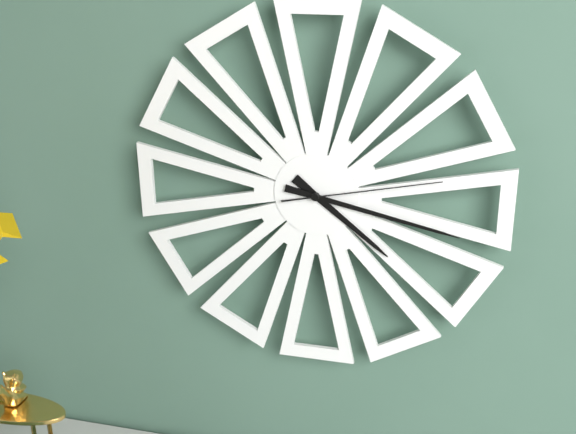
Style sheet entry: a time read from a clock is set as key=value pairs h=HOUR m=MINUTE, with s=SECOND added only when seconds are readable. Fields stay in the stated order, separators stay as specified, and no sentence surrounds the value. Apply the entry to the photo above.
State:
h=4 m=17 s=13
